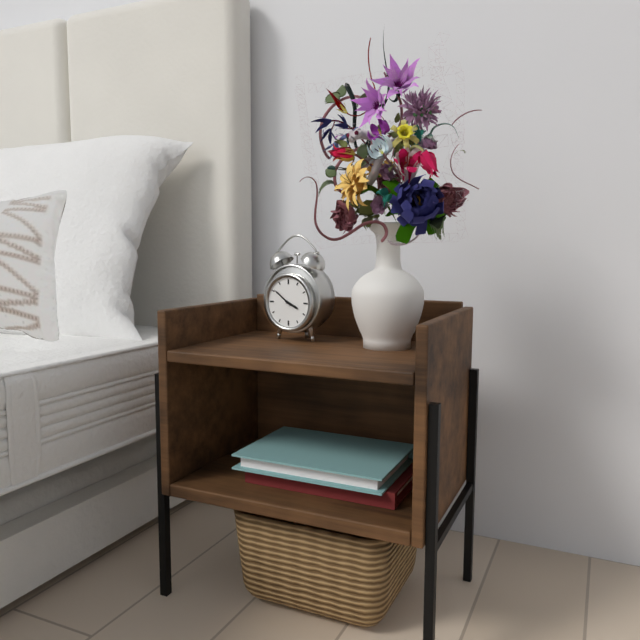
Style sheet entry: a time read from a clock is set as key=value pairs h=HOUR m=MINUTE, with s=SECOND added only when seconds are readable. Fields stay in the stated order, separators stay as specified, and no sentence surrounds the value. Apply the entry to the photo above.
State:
h=3 m=51
